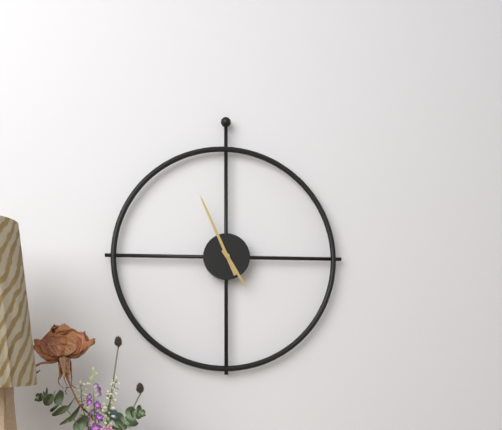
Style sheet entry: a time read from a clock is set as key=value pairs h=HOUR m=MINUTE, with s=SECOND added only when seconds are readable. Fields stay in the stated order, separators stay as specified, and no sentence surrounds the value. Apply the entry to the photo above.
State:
h=4 m=56
